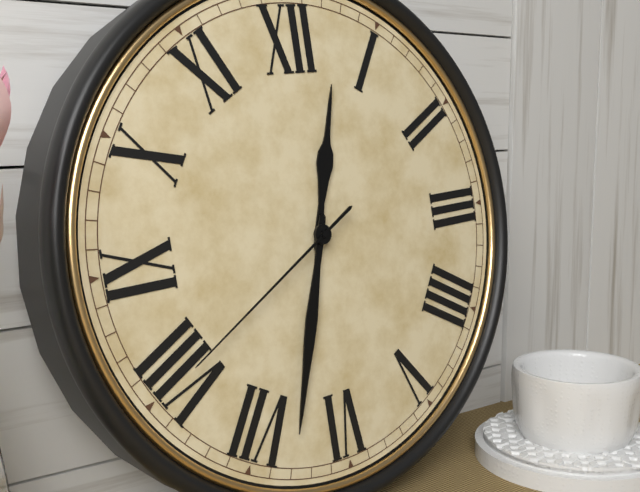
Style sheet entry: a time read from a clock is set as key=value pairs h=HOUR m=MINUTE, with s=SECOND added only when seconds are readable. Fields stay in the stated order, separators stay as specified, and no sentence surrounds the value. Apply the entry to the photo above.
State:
h=12 m=33 s=40
